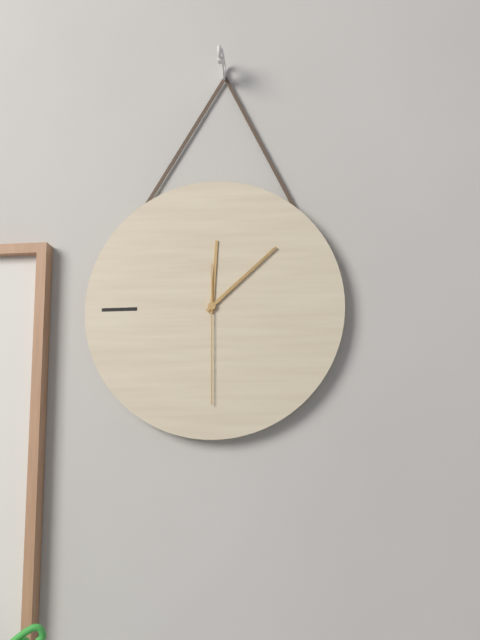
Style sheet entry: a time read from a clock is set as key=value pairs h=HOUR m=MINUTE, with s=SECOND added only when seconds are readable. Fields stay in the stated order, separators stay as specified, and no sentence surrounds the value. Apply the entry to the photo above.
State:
h=12 m=8 s=30
